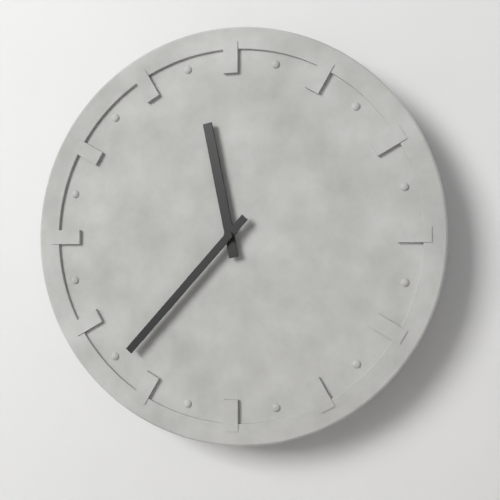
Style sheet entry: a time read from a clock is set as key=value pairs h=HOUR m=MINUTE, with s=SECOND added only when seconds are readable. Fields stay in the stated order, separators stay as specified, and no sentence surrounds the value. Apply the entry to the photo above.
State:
h=11 m=37
